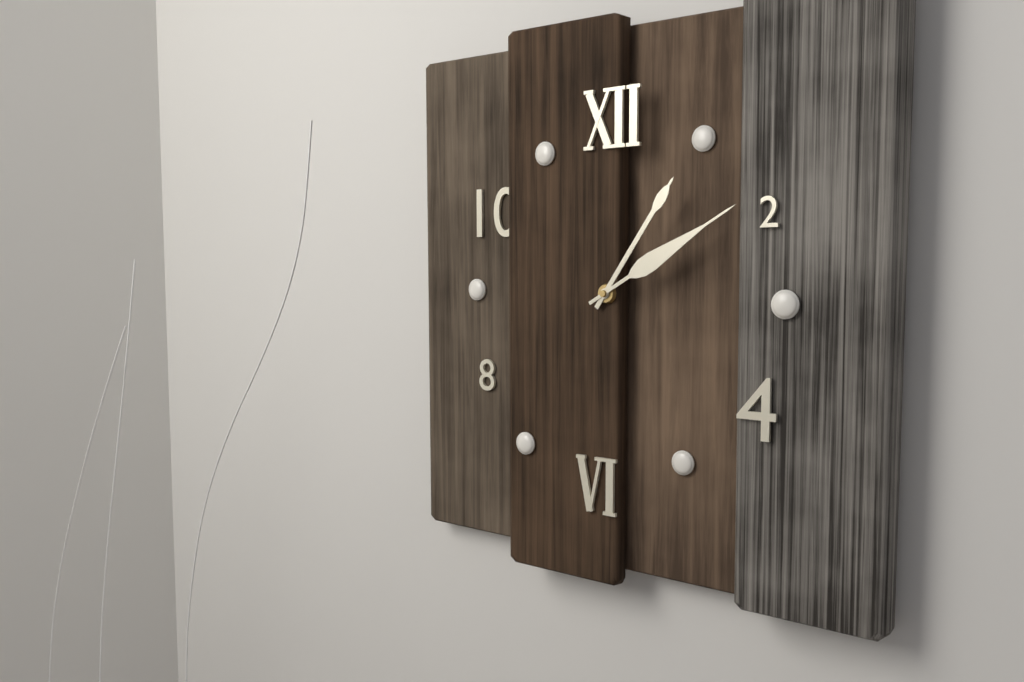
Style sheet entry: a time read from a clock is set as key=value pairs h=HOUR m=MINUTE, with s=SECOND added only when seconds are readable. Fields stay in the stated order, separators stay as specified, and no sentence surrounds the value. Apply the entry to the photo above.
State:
h=1 m=10
